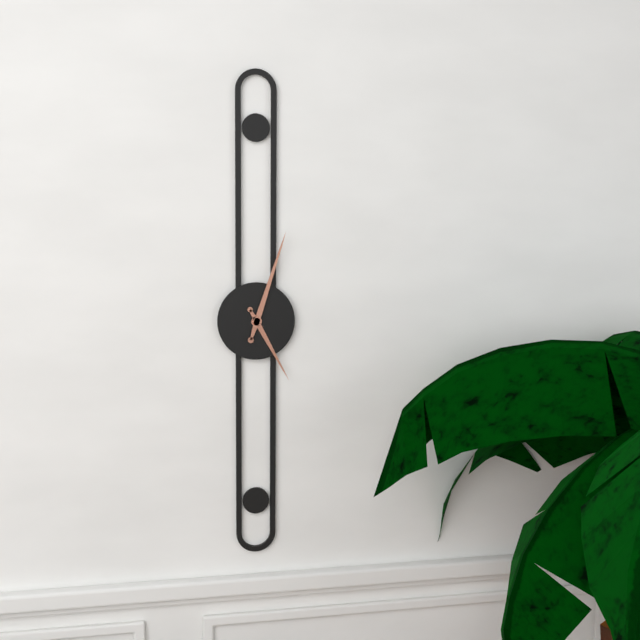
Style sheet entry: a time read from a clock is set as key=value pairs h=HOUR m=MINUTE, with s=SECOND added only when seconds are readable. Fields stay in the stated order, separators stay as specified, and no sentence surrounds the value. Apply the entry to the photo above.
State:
h=5 m=3
